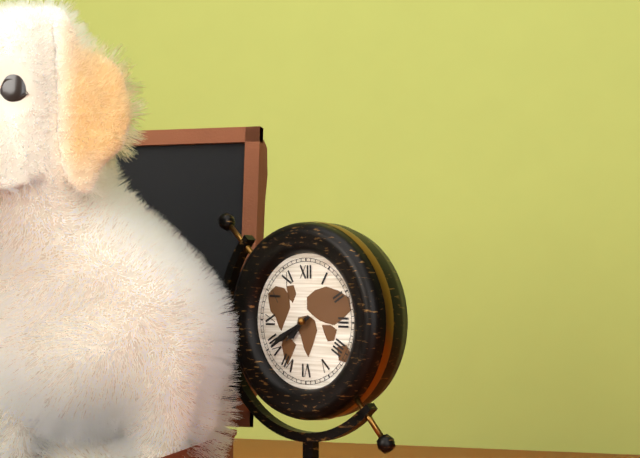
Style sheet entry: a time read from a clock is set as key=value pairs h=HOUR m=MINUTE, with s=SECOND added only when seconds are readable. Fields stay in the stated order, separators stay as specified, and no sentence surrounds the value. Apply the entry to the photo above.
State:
h=7 m=40
